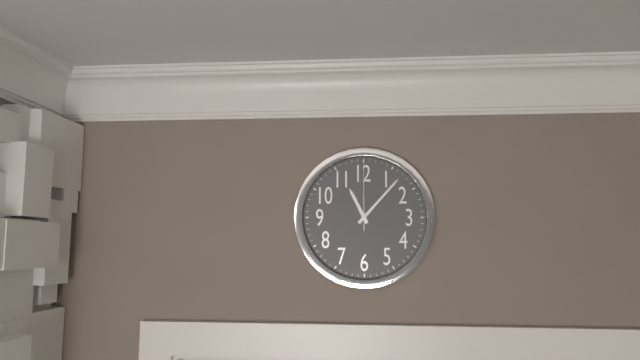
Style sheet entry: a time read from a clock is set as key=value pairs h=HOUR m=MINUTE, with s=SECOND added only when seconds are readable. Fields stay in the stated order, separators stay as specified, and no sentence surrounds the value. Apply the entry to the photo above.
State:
h=11 m=7 s=0
